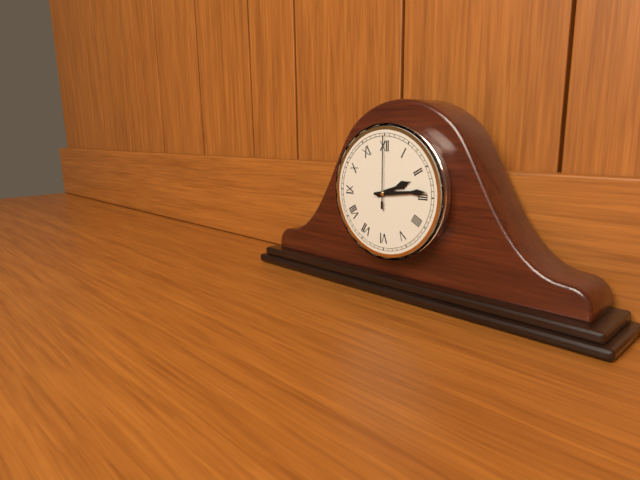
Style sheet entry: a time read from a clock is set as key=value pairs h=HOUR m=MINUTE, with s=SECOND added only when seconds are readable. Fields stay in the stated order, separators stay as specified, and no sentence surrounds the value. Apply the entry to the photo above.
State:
h=2 m=14 s=0
